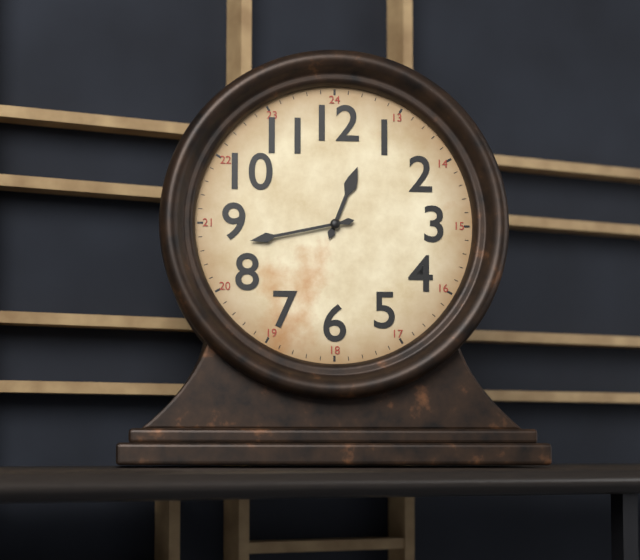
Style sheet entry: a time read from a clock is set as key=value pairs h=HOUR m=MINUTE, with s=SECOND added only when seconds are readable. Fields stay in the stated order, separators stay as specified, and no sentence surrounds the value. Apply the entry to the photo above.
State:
h=12 m=43
